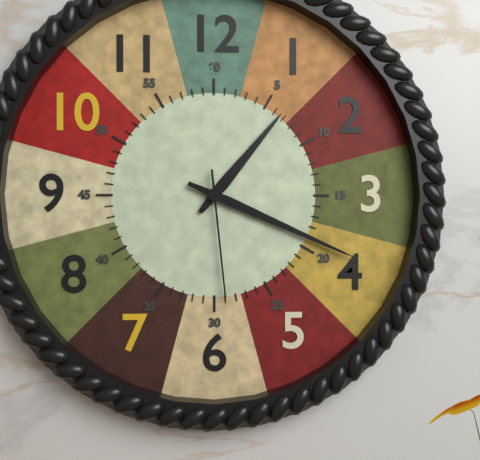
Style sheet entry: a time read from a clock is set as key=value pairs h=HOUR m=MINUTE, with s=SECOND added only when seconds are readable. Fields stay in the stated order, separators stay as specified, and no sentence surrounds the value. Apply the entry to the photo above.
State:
h=1 m=19 s=29
